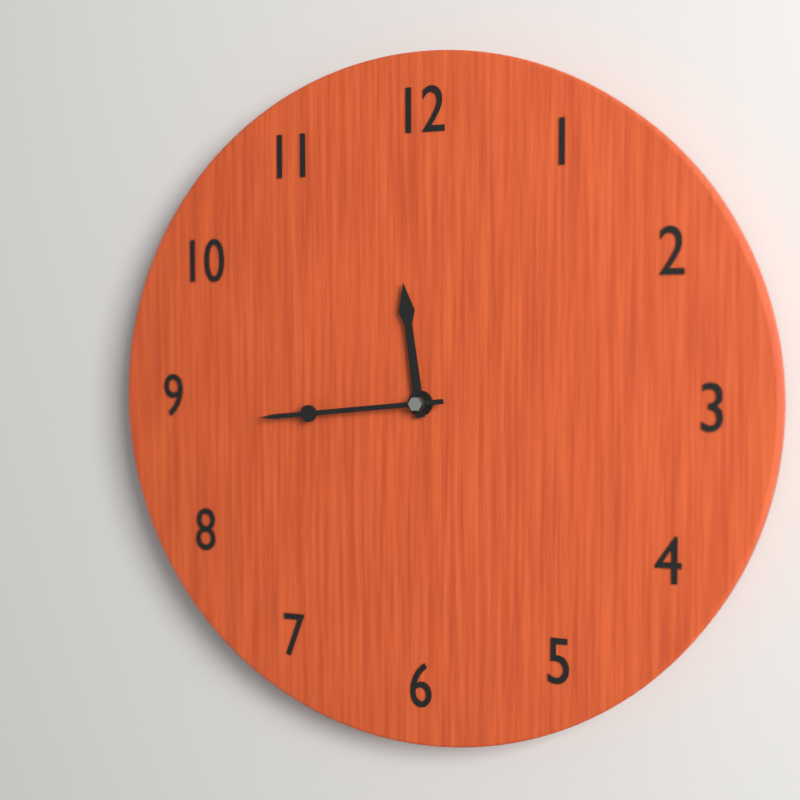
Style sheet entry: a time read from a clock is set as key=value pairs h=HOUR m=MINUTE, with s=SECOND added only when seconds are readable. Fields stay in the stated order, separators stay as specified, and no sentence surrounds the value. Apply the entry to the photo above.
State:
h=11 m=44
